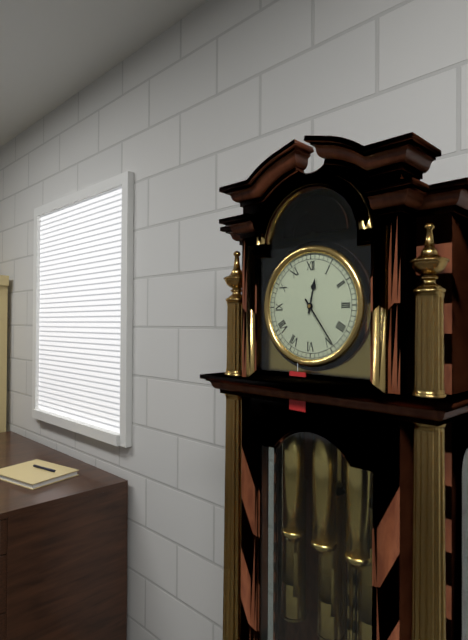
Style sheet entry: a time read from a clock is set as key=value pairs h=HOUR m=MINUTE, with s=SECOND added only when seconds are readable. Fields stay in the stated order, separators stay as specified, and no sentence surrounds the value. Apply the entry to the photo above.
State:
h=12 m=24
